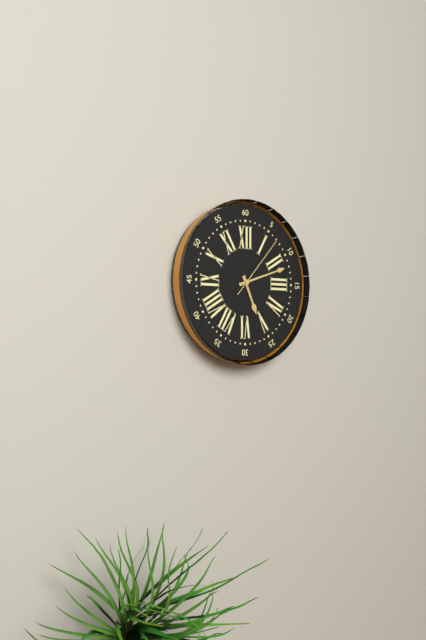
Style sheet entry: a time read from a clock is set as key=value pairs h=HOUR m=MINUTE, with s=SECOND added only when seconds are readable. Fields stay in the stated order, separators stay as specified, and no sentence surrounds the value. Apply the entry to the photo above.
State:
h=5 m=12 s=7
